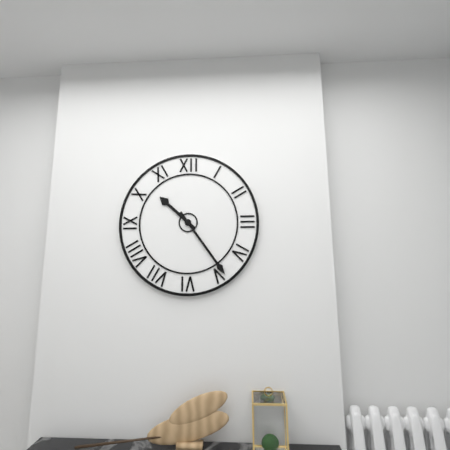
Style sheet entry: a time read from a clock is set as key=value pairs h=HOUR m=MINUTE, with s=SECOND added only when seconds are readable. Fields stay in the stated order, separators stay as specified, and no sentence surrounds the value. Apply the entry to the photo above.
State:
h=10 m=24
